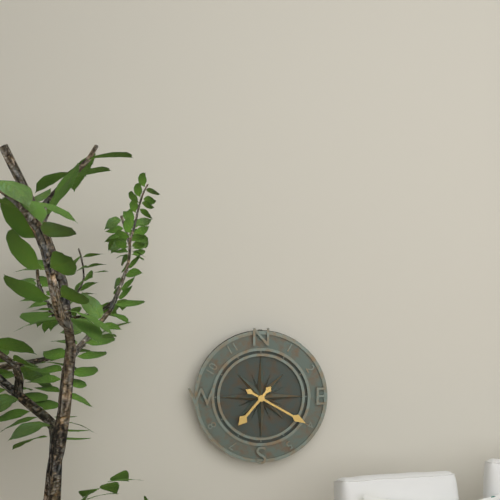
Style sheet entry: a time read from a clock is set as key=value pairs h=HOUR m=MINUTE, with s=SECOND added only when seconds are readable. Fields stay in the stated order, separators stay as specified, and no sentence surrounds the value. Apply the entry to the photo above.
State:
h=7 m=20
